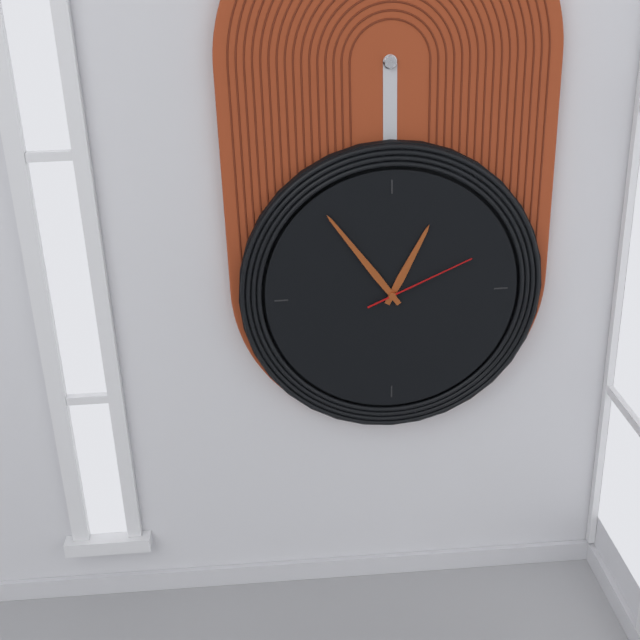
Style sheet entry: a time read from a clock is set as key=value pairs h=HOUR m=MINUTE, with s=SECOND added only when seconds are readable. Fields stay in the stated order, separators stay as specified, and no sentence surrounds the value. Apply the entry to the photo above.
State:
h=12 m=54 s=11
